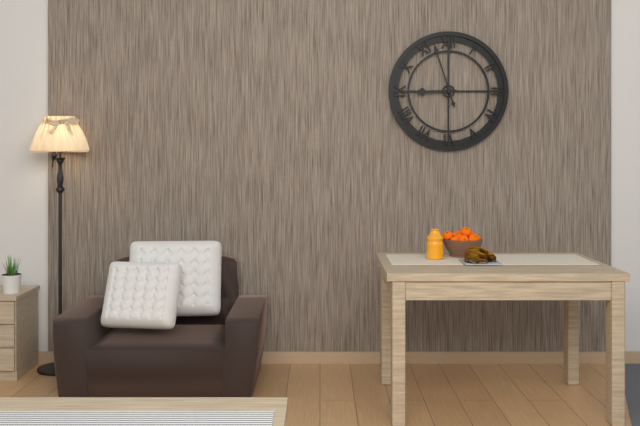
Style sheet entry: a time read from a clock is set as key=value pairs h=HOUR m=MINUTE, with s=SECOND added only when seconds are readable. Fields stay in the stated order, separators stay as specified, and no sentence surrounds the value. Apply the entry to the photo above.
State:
h=8 m=57
